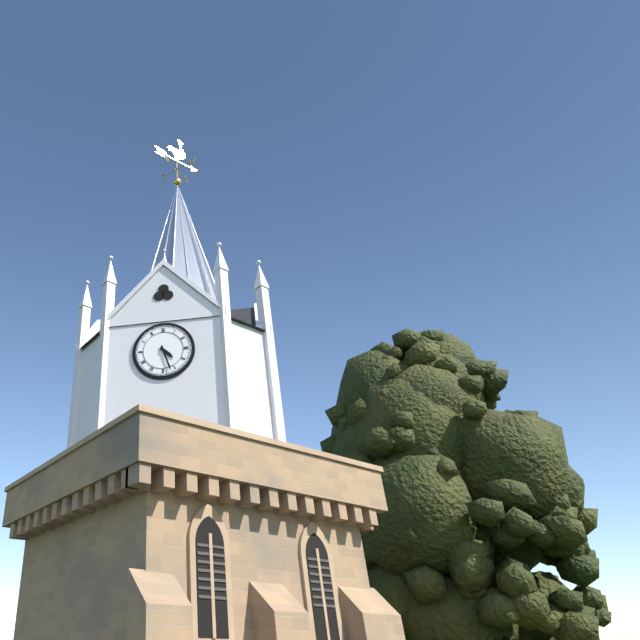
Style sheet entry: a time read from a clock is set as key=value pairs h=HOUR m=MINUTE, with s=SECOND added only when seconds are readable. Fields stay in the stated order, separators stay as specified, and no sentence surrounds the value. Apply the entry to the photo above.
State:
h=4 m=27
